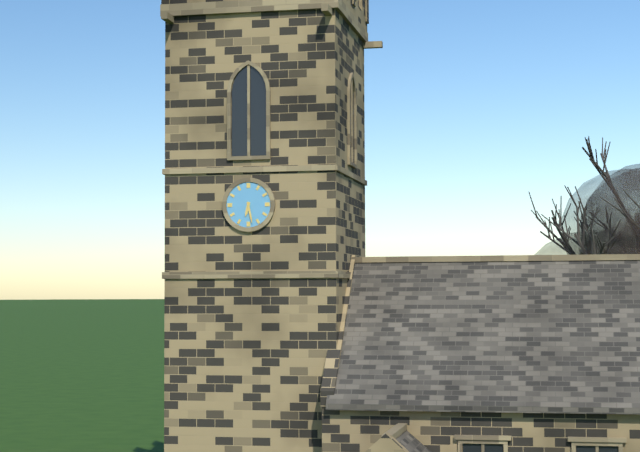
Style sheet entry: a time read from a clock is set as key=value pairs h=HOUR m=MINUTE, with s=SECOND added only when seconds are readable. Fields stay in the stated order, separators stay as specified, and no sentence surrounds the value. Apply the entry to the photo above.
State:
h=6 m=28
